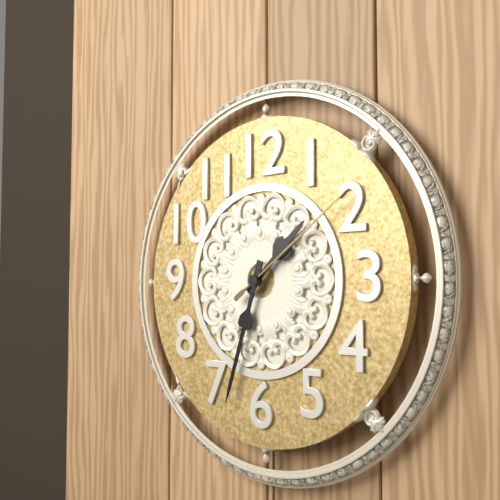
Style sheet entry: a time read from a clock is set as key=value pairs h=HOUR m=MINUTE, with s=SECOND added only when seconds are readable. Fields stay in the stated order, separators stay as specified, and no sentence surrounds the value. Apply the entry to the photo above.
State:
h=1 m=33 s=9
